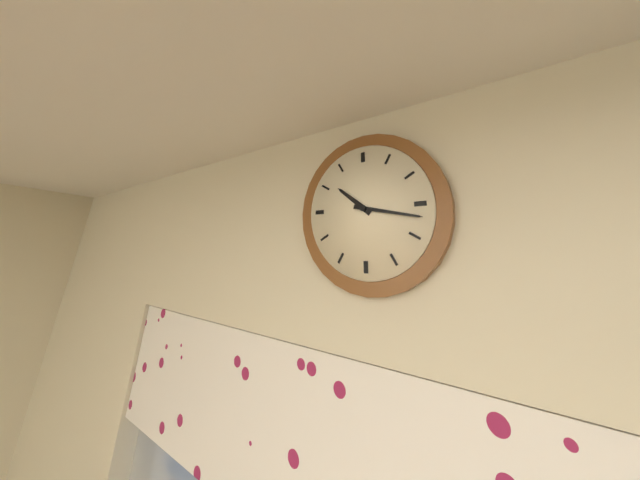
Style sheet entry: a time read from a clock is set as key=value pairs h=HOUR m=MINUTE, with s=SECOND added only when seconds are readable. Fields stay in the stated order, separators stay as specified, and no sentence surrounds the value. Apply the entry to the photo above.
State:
h=10 m=17
